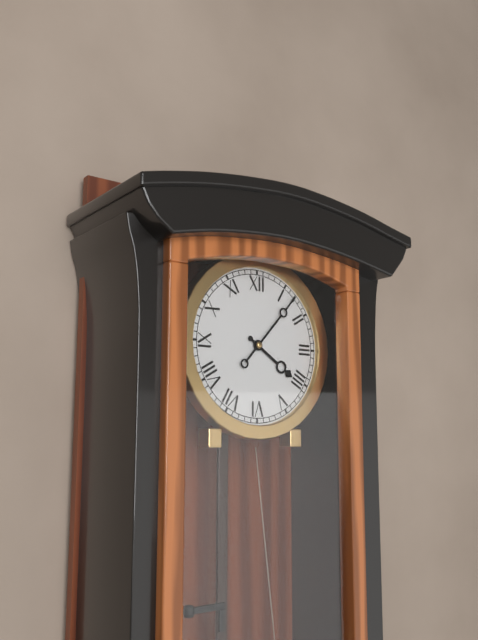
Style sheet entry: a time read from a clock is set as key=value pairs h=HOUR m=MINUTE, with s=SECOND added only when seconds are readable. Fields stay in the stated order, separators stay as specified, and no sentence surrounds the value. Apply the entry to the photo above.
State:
h=4 m=7
